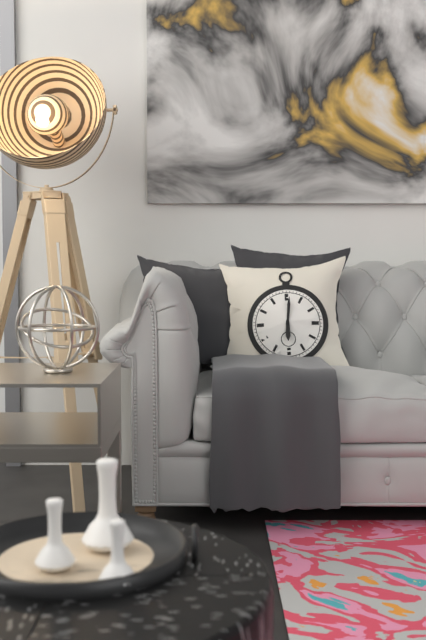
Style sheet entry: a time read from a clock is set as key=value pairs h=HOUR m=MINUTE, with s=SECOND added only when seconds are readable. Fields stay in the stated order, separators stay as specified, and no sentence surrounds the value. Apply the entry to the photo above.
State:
h=6 m=1
